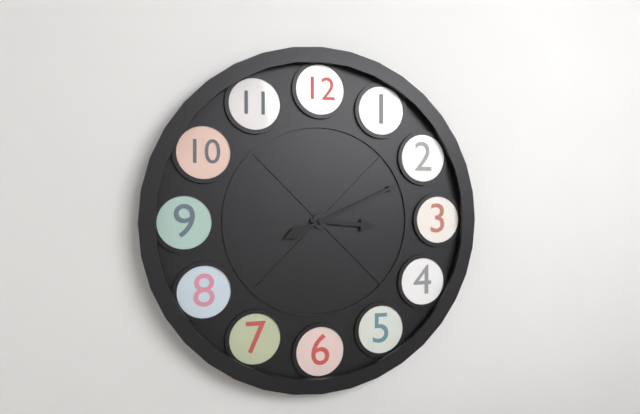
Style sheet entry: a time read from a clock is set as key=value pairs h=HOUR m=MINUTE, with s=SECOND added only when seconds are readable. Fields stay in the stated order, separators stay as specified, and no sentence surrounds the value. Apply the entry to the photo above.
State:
h=3 m=11
